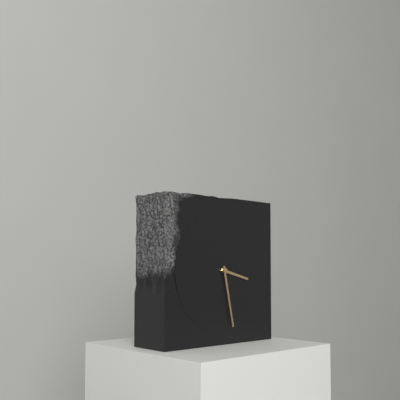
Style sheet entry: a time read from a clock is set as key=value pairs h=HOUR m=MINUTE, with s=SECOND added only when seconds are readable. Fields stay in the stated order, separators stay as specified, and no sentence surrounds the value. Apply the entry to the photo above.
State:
h=3 m=28
